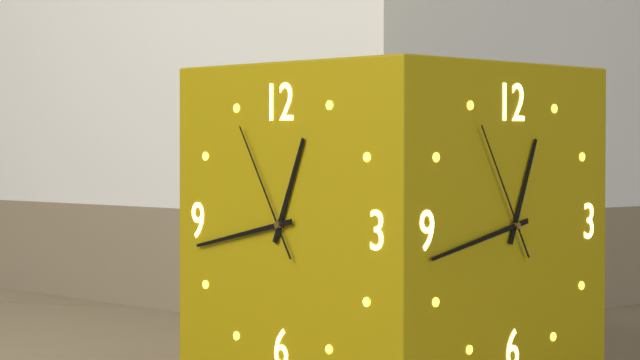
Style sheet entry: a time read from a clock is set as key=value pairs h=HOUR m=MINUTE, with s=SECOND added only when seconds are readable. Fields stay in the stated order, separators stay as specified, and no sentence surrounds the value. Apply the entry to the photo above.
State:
h=12 m=43 s=55
